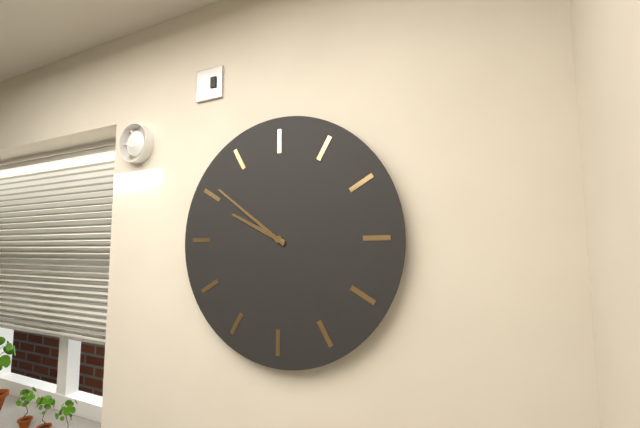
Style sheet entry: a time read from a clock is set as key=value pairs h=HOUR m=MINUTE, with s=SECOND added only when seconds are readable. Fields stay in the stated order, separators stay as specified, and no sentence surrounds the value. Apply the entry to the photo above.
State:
h=9 m=51
